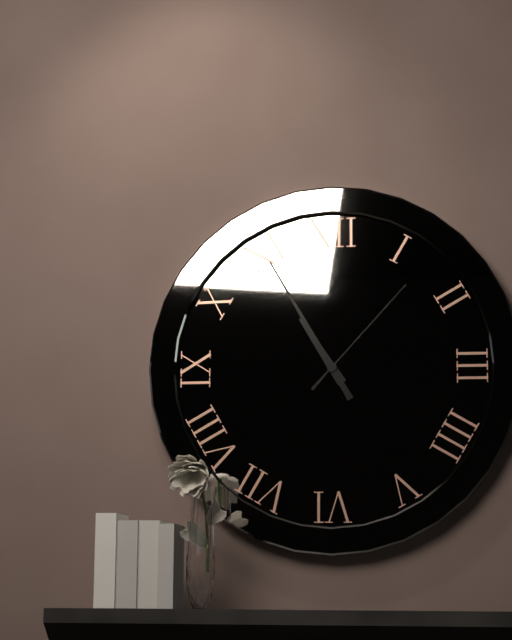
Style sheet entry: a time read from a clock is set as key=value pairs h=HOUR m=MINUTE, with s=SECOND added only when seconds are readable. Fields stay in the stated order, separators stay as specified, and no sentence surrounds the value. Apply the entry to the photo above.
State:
h=10 m=55 s=7
